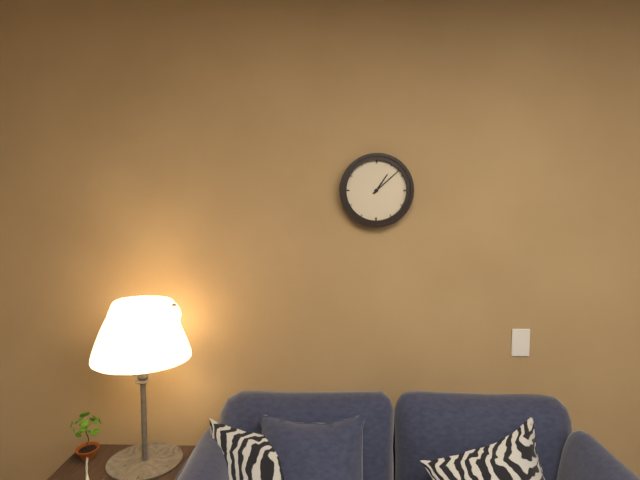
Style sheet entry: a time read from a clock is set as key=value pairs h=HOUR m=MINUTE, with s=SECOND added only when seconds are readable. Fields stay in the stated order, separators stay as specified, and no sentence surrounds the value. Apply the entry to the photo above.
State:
h=1 m=8
